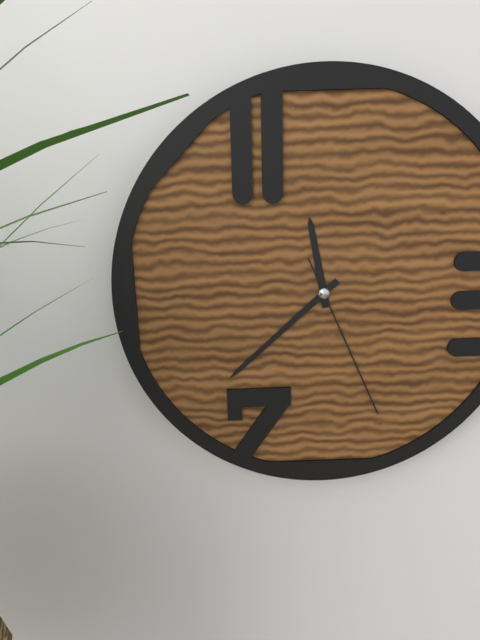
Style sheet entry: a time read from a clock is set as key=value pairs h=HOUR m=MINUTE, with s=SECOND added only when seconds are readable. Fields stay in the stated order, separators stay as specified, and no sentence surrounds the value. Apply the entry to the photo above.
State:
h=11 m=38 s=26
